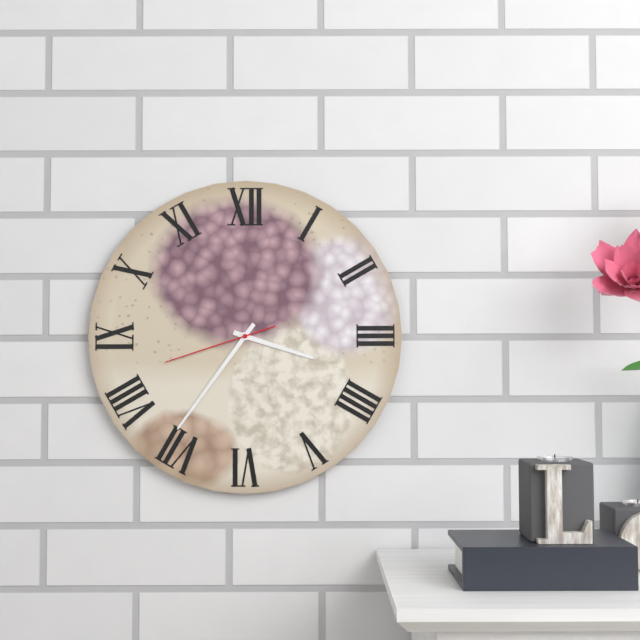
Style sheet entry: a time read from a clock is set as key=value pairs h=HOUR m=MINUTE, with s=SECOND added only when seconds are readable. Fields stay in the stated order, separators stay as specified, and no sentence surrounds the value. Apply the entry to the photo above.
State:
h=3 m=36 s=42
